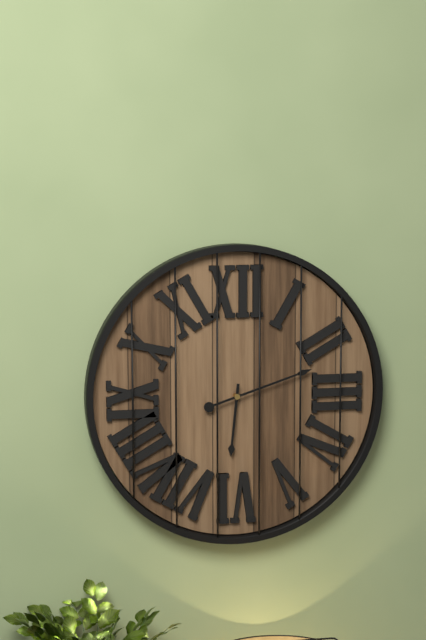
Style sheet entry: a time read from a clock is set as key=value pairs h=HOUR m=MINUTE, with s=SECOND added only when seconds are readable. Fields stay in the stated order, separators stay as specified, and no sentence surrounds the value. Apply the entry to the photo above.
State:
h=6 m=12
